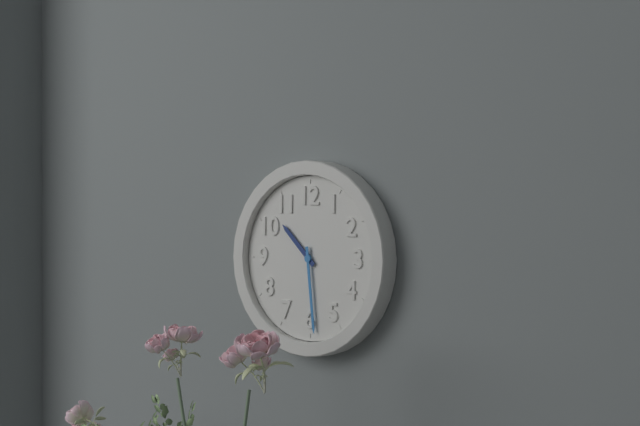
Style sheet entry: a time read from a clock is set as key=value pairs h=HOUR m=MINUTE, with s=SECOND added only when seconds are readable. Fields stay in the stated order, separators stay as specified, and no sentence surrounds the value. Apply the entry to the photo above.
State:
h=10 m=29
